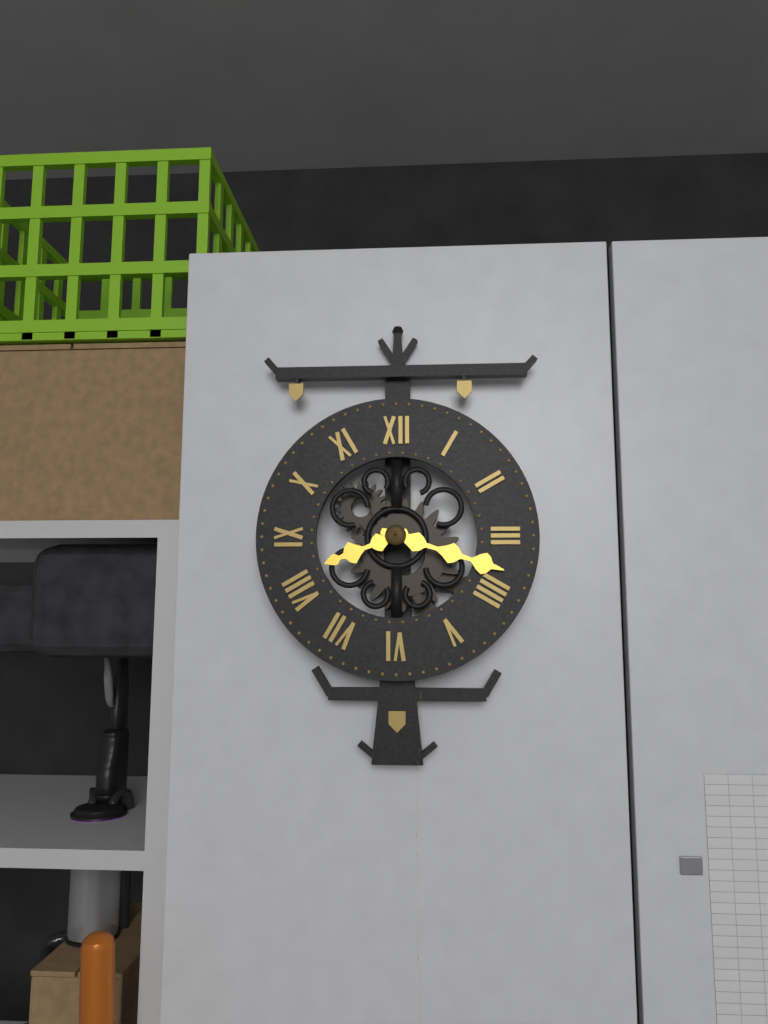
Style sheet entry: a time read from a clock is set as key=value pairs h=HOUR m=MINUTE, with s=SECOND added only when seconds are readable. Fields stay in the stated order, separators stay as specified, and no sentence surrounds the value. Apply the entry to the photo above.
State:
h=8 m=18
